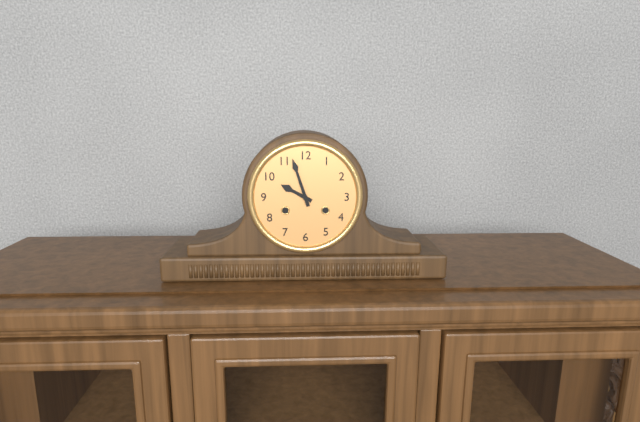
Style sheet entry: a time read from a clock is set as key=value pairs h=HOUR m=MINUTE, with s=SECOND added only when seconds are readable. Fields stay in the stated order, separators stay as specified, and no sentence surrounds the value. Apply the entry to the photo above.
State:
h=9 m=57
